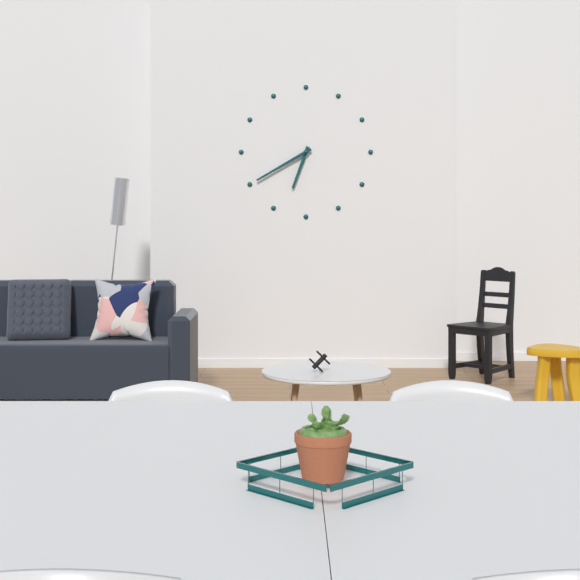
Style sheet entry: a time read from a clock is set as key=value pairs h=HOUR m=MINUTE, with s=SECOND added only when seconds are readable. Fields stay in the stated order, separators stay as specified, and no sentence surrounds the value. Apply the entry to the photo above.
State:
h=6 m=40
